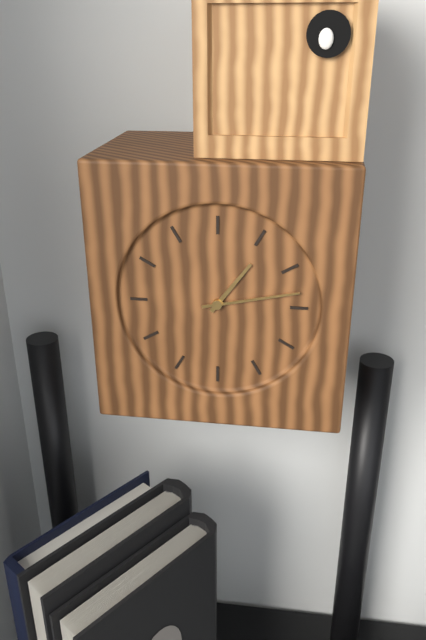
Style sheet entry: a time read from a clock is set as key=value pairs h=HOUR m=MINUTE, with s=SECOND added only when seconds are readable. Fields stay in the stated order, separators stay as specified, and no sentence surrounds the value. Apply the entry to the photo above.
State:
h=1 m=13
